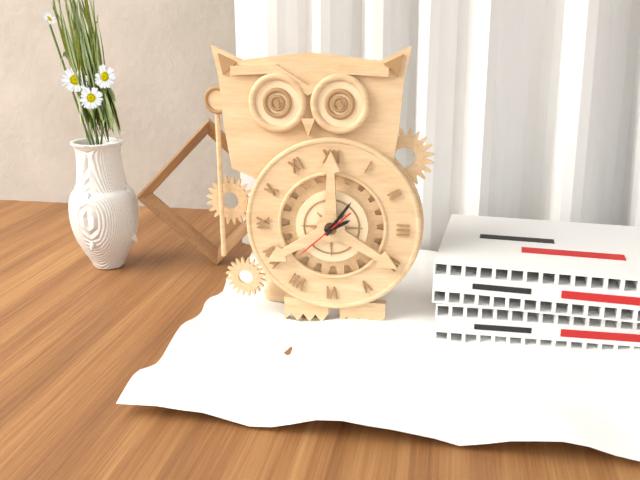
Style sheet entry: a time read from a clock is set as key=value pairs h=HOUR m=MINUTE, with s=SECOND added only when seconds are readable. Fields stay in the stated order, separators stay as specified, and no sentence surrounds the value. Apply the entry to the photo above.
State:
h=2 m=6 s=38
